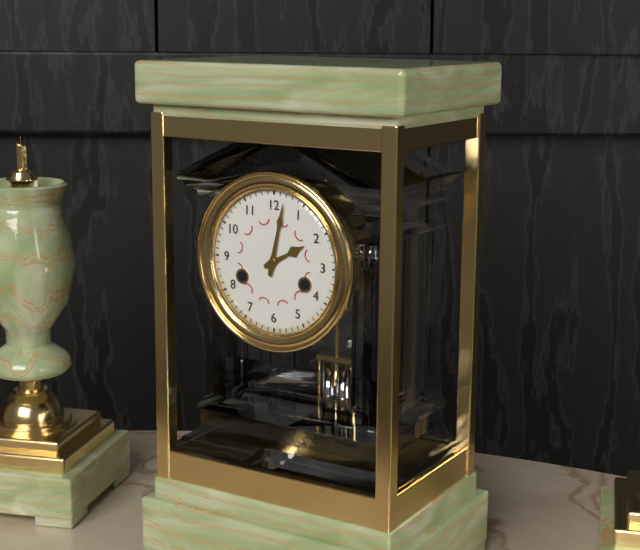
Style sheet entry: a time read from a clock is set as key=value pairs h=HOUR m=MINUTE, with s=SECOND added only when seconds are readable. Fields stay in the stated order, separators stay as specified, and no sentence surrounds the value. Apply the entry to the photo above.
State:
h=2 m=2
